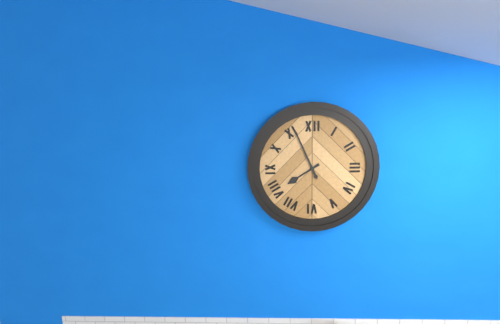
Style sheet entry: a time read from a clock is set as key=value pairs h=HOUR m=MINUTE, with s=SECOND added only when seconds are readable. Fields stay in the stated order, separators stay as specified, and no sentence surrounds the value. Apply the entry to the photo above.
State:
h=7 m=56
